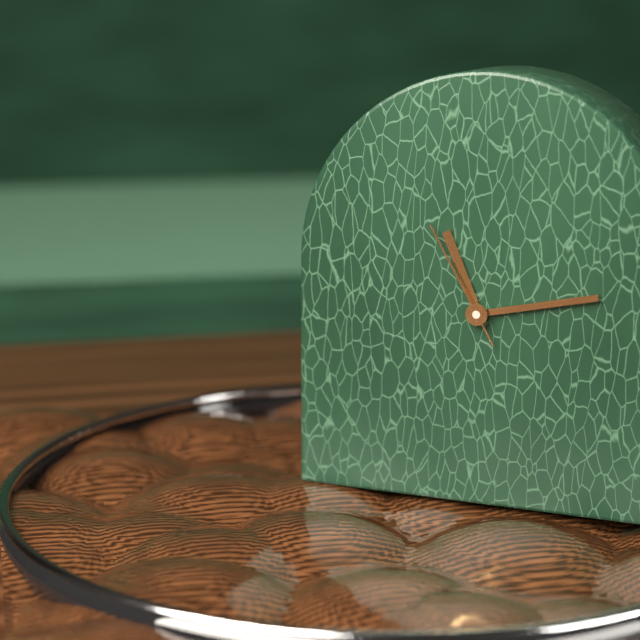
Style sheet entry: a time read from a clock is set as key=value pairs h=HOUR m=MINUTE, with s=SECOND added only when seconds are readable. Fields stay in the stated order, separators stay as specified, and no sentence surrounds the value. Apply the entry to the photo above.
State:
h=11 m=13 s=55
